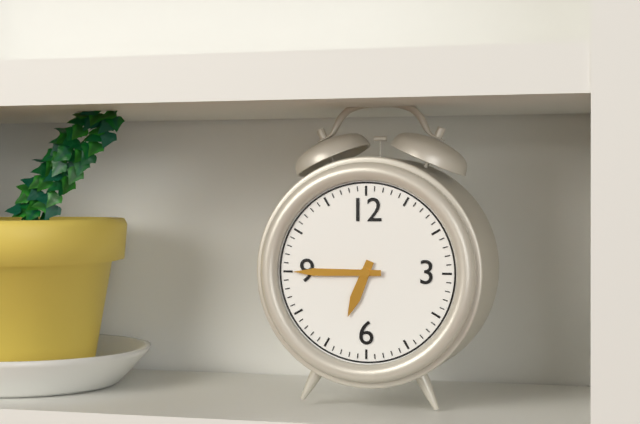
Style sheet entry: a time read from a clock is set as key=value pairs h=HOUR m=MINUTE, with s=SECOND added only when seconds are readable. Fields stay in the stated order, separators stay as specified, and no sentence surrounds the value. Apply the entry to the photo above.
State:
h=6 m=45
